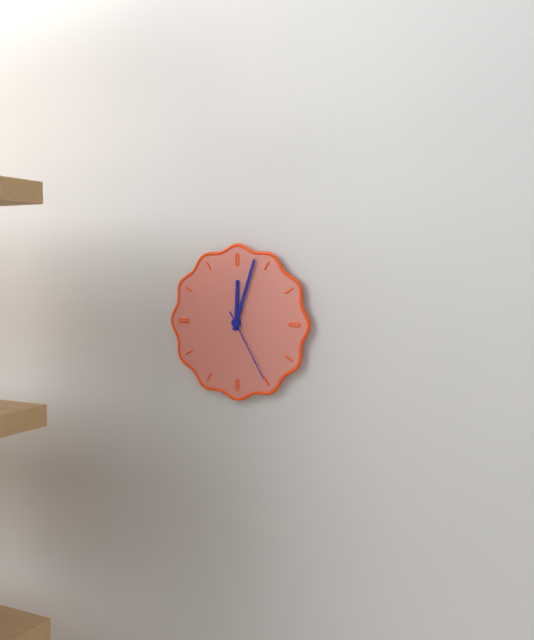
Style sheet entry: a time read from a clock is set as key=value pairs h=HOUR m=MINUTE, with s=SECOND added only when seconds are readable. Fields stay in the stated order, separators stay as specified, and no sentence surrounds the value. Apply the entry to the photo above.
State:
h=12 m=3 s=25
